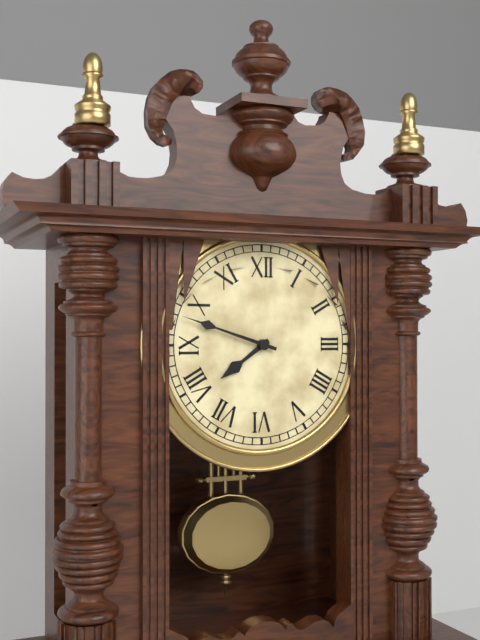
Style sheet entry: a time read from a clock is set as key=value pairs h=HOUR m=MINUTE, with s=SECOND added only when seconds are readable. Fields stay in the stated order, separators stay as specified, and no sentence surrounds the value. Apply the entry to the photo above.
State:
h=7 m=48
